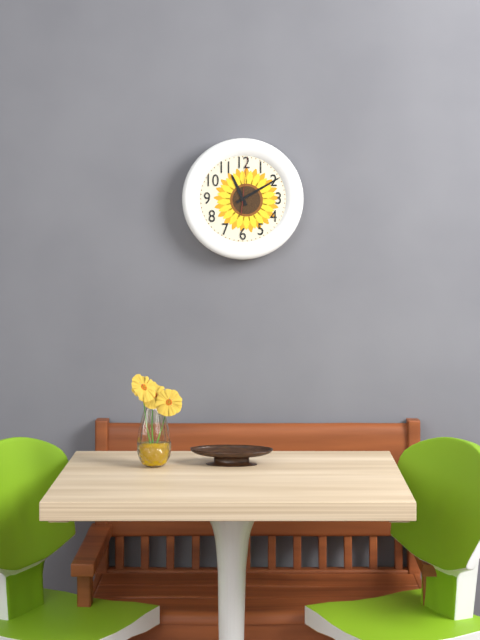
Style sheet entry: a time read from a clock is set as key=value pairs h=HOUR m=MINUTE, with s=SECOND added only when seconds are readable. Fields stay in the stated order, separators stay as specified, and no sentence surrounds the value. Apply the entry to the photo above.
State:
h=11 m=10 s=1
